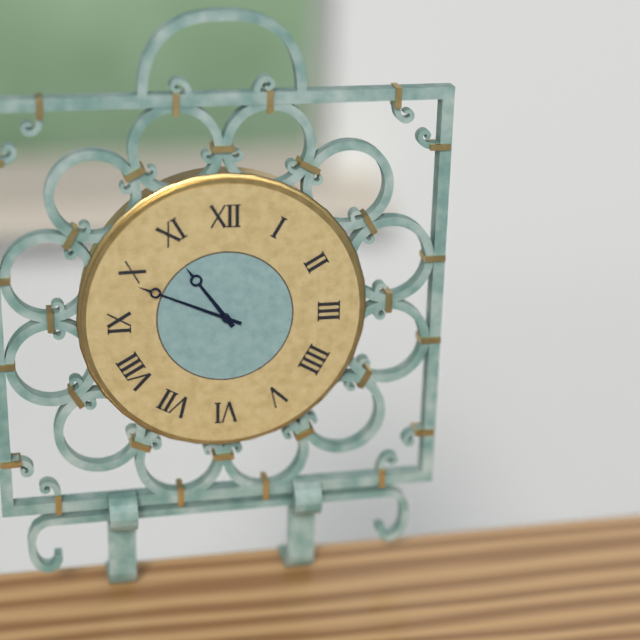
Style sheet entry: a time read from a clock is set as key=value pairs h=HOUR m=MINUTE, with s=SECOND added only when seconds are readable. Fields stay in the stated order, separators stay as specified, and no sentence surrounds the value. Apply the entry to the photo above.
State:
h=10 m=49
